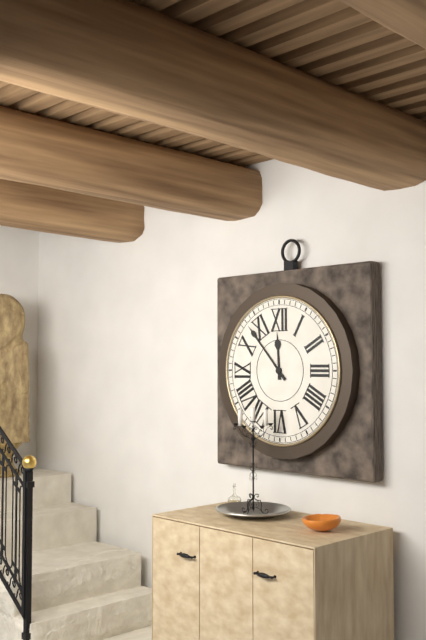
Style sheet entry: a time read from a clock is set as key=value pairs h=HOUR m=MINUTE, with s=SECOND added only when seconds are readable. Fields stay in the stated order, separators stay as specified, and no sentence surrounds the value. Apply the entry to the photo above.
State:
h=11 m=53
